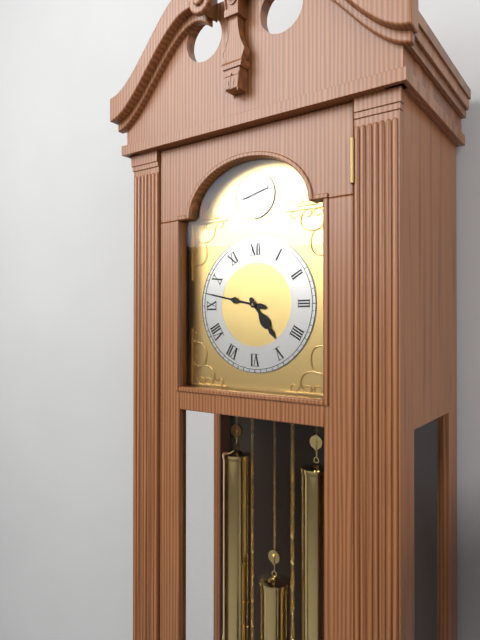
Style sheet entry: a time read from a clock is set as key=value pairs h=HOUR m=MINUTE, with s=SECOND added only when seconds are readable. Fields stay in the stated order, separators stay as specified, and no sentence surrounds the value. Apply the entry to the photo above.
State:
h=4 m=47
